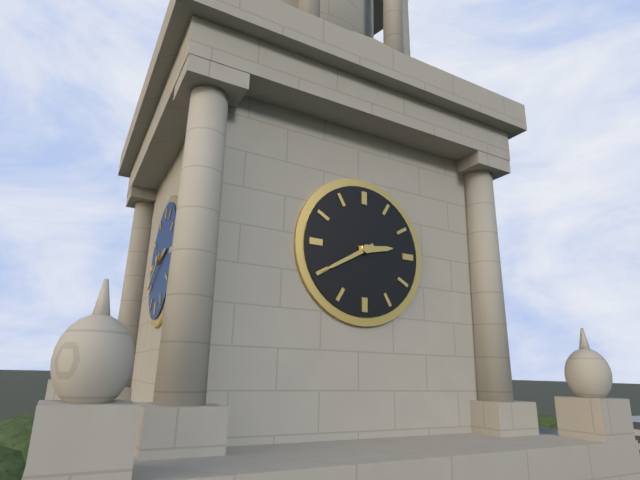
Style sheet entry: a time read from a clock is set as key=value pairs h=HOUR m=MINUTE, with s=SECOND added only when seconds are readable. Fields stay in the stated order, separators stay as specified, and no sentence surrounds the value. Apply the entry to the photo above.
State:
h=2 m=40
